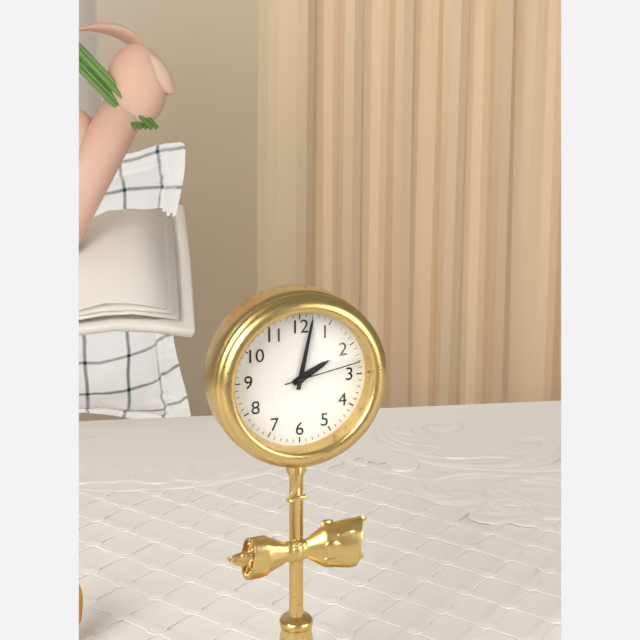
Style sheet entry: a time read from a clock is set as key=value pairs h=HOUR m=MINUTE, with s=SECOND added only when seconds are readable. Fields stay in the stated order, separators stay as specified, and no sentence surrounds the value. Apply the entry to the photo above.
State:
h=2 m=2 s=13
